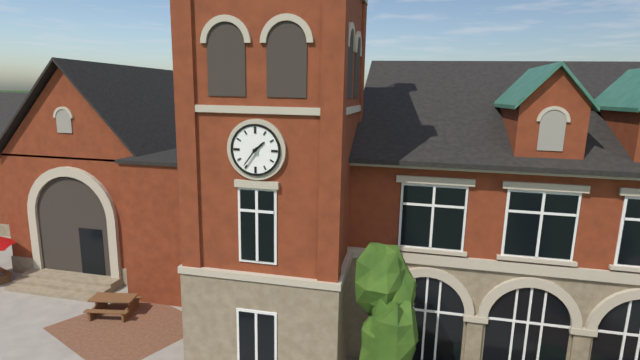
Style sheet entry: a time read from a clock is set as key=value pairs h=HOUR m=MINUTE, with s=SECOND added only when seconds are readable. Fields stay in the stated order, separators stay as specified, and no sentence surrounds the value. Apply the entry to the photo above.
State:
h=1 m=36
